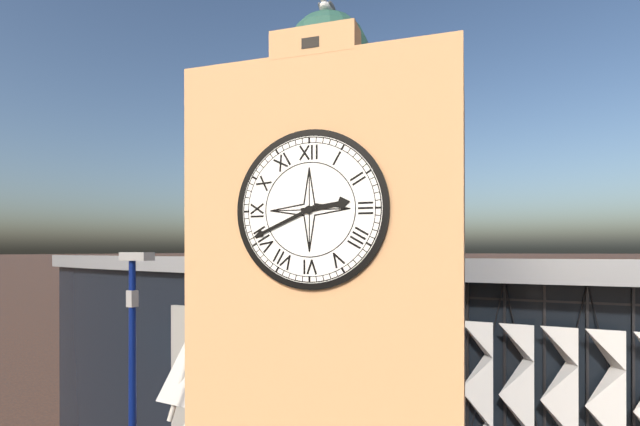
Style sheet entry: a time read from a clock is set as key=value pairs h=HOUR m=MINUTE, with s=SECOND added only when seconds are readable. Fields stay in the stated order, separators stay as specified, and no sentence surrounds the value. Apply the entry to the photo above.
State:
h=2 m=41
